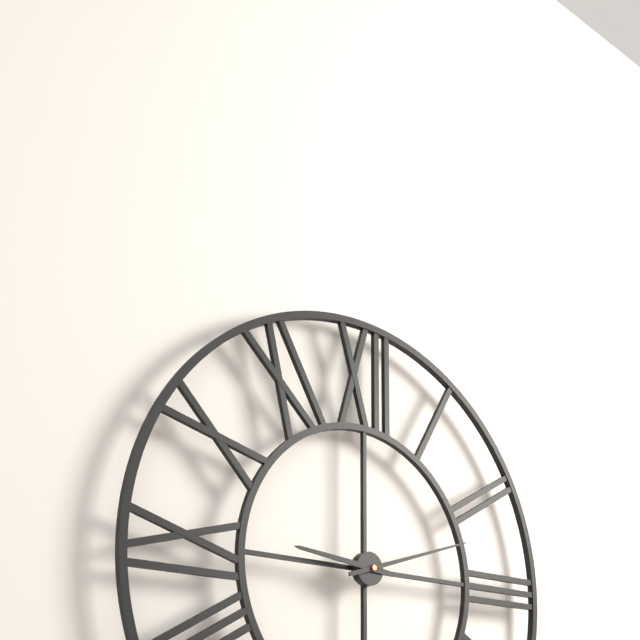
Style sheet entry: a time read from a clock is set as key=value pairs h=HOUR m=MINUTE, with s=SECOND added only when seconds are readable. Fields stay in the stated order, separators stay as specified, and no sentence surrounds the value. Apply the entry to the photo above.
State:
h=9 m=12
